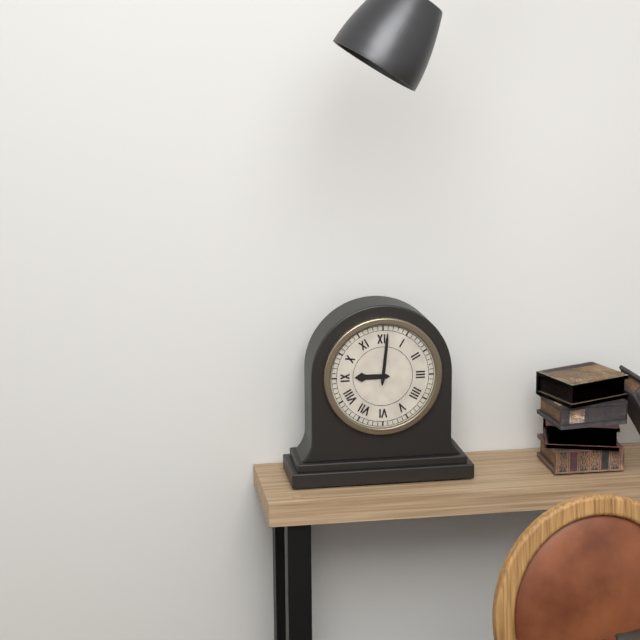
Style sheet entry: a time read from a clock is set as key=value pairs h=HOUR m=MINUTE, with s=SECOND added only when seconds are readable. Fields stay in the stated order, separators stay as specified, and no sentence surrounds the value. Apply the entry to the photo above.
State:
h=9 m=1
